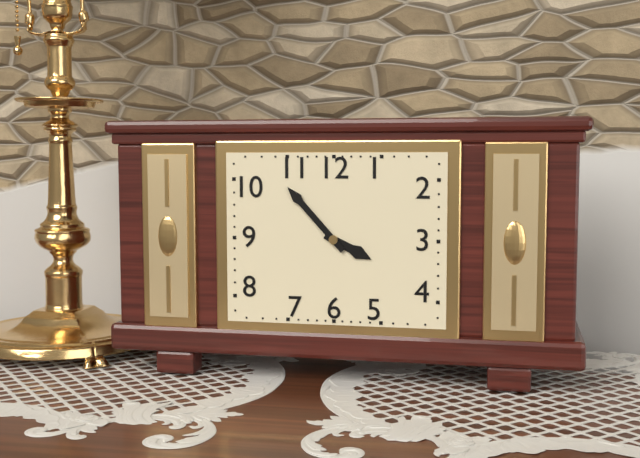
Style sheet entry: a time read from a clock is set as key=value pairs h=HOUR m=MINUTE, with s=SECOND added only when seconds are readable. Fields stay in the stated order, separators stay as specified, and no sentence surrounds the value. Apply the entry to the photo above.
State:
h=3 m=53
